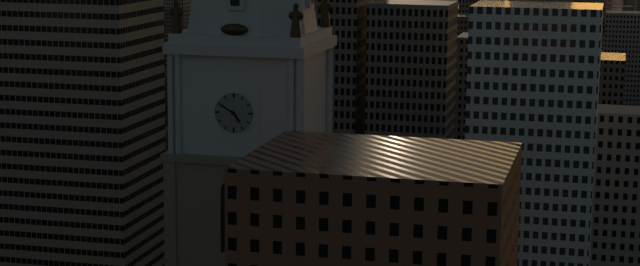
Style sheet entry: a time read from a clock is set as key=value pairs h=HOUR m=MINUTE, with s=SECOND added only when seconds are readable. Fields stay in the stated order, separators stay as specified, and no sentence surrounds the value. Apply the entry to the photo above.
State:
h=4 m=50
